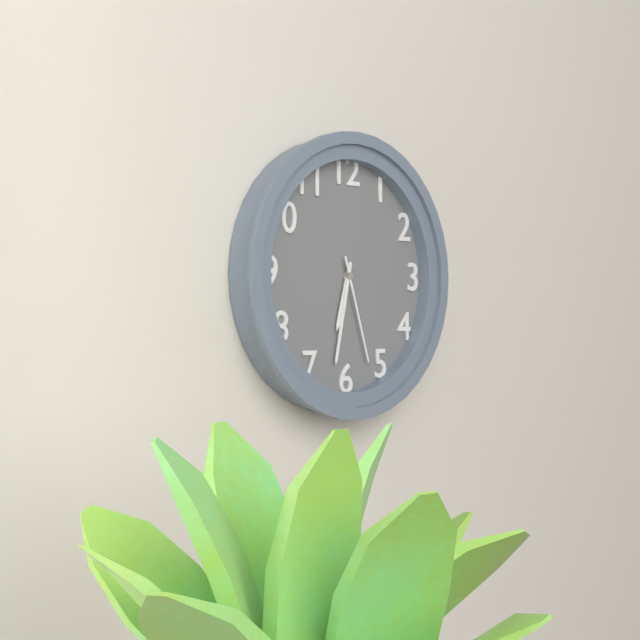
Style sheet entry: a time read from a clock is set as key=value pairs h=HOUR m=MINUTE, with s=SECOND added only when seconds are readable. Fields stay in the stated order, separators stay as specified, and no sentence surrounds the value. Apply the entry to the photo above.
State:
h=6 m=32 s=27
